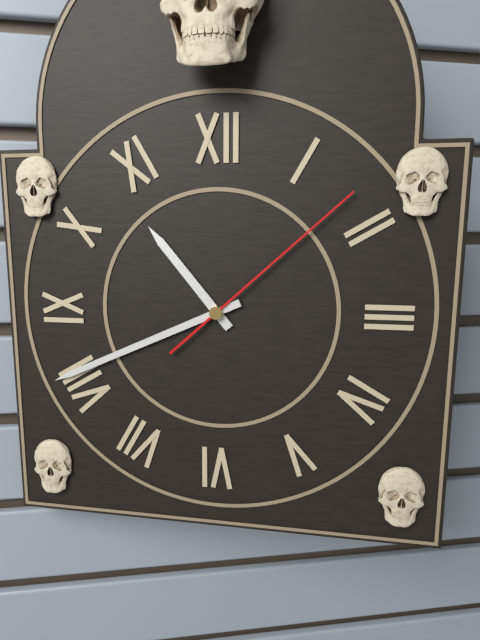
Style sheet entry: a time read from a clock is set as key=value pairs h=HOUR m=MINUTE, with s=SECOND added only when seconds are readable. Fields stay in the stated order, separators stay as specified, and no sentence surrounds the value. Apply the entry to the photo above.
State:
h=10 m=41 s=8
